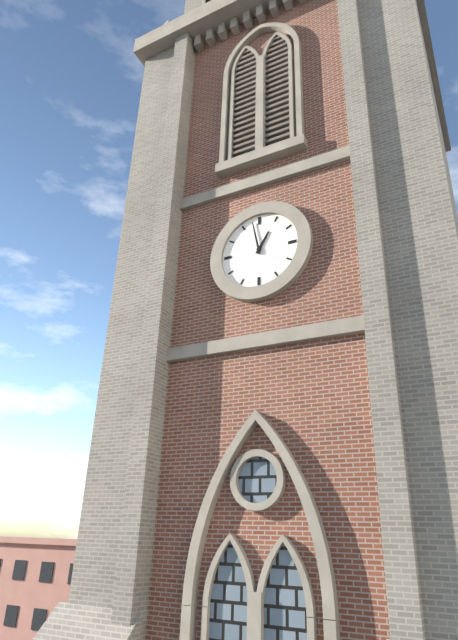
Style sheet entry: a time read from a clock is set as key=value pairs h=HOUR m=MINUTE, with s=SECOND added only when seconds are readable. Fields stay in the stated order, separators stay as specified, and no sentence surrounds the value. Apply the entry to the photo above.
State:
h=12 m=58
